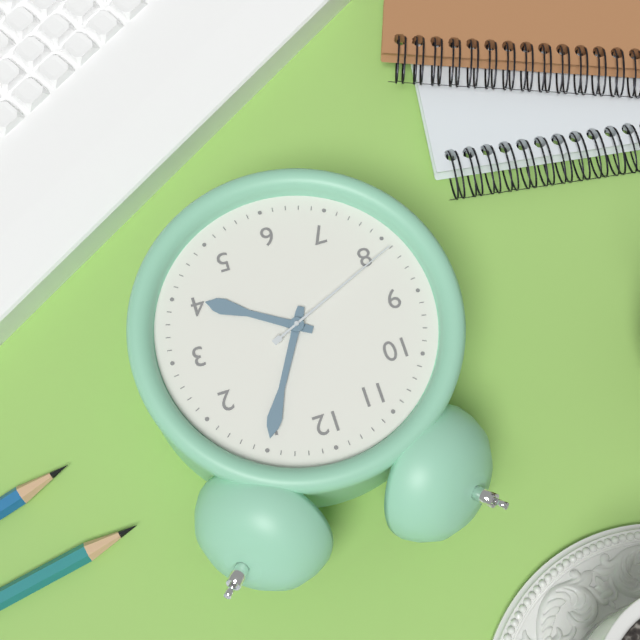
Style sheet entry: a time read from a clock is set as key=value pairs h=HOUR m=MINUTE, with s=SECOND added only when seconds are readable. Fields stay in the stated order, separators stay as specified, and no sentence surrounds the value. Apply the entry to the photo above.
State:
h=4 m=5 s=41
